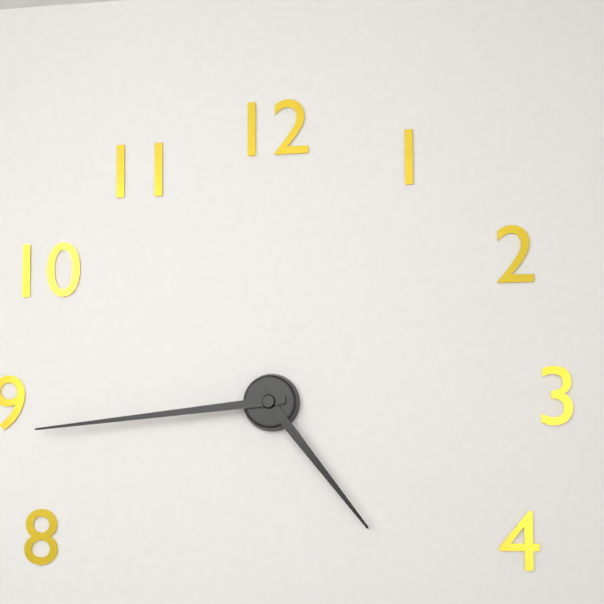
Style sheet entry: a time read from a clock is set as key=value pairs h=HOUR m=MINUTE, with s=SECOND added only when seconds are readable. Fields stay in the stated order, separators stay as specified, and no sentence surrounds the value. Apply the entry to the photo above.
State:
h=4 m=44
